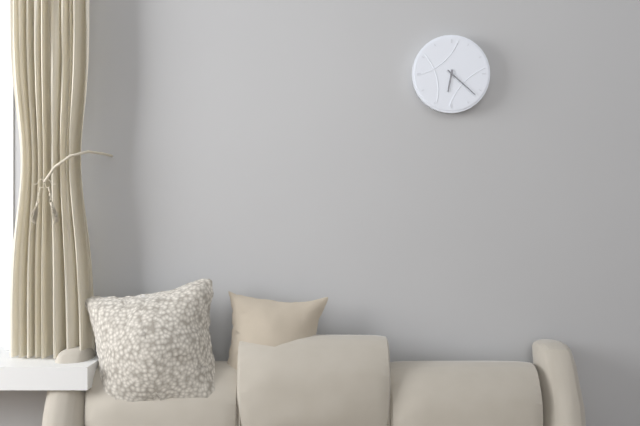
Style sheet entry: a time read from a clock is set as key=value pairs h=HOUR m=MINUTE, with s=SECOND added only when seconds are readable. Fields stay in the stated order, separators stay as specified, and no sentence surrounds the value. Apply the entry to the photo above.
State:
h=6 m=22
